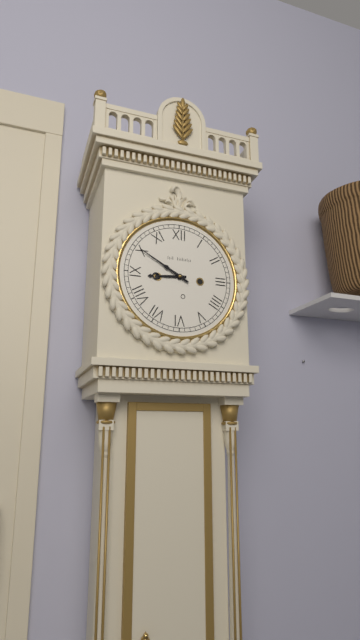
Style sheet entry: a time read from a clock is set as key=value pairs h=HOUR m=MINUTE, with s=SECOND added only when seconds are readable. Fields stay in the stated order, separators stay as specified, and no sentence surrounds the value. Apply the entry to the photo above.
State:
h=8 m=50
